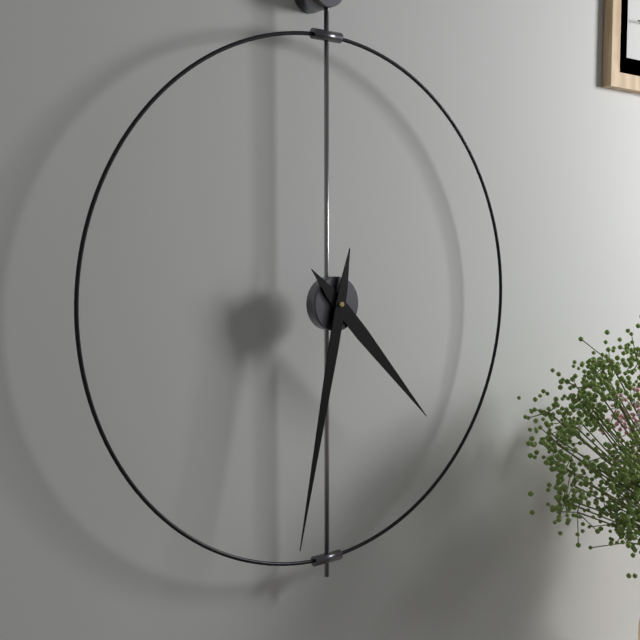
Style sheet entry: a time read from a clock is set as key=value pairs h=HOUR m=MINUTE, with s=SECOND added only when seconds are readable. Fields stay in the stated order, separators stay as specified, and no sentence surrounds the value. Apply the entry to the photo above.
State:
h=4 m=32
